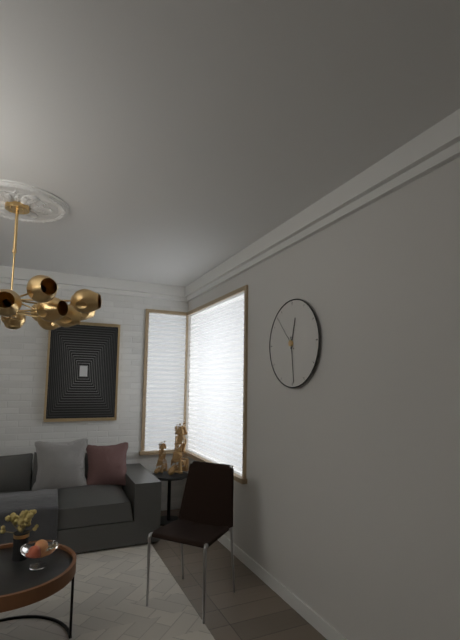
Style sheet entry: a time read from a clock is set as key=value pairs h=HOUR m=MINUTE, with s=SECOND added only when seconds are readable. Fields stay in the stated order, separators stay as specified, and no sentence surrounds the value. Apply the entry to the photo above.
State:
h=12 m=29
